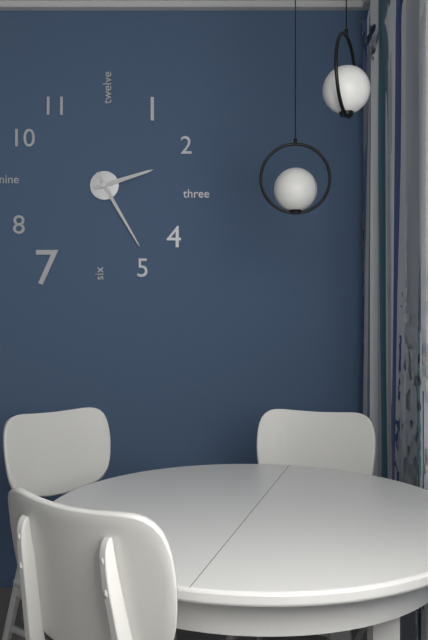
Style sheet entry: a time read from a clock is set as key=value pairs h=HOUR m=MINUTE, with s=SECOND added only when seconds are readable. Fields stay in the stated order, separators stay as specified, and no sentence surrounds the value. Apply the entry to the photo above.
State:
h=2 m=25
